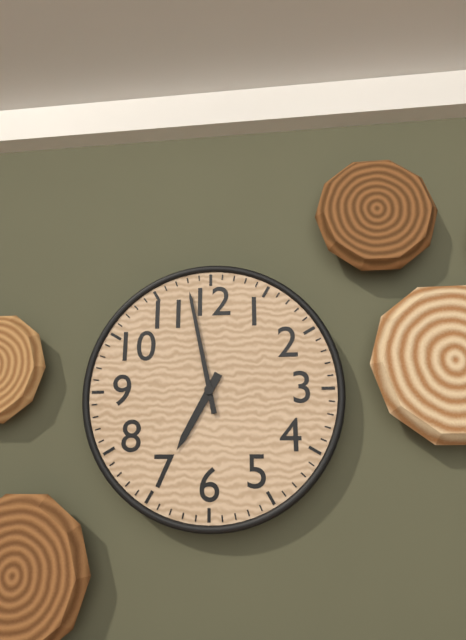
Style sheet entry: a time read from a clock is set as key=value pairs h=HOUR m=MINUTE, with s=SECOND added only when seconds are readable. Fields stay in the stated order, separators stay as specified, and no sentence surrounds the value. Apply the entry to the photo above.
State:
h=6 m=58
